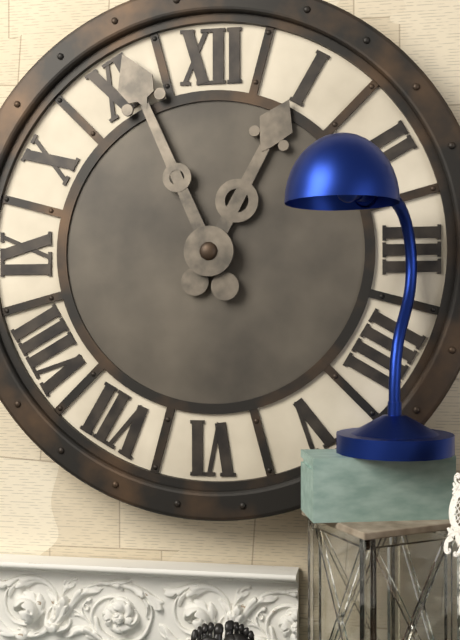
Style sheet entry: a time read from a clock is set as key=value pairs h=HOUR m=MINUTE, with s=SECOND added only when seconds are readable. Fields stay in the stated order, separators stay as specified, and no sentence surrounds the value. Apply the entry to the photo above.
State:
h=12 m=56
